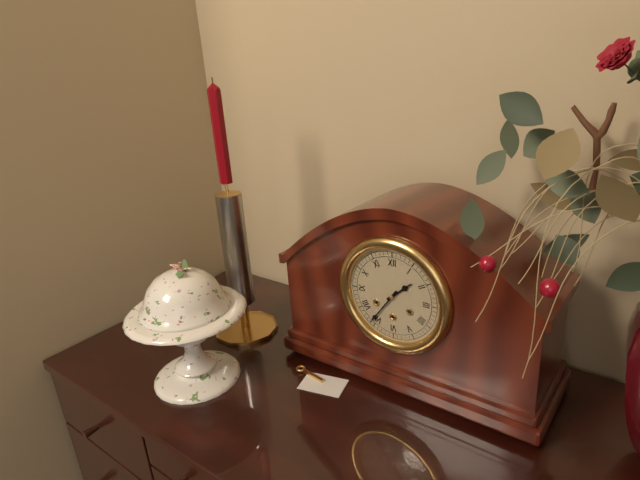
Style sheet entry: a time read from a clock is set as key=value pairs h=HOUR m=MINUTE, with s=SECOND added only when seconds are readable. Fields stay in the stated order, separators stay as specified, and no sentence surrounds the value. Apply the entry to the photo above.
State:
h=1 m=36
